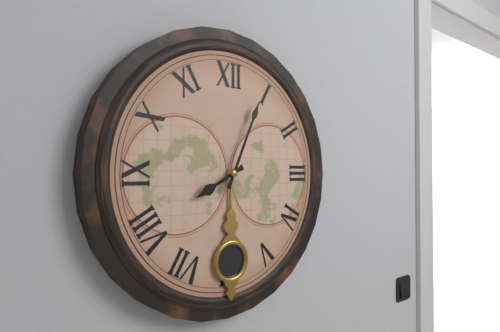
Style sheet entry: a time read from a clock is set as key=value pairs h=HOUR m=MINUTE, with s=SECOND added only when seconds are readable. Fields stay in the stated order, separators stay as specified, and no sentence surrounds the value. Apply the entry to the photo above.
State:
h=8 m=4
